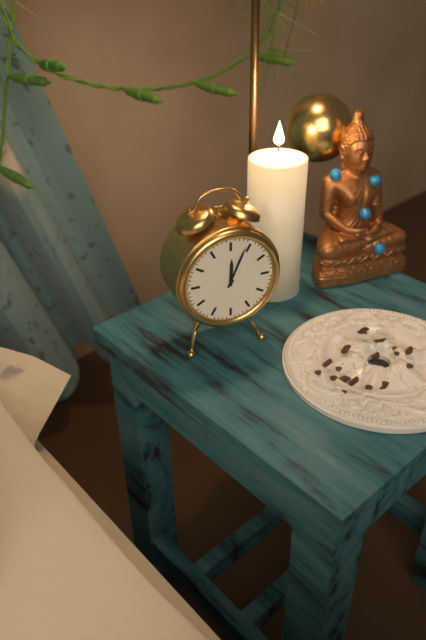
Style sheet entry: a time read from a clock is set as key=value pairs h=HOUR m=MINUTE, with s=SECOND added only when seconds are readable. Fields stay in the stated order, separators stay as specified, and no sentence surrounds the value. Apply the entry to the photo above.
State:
h=12 m=4
